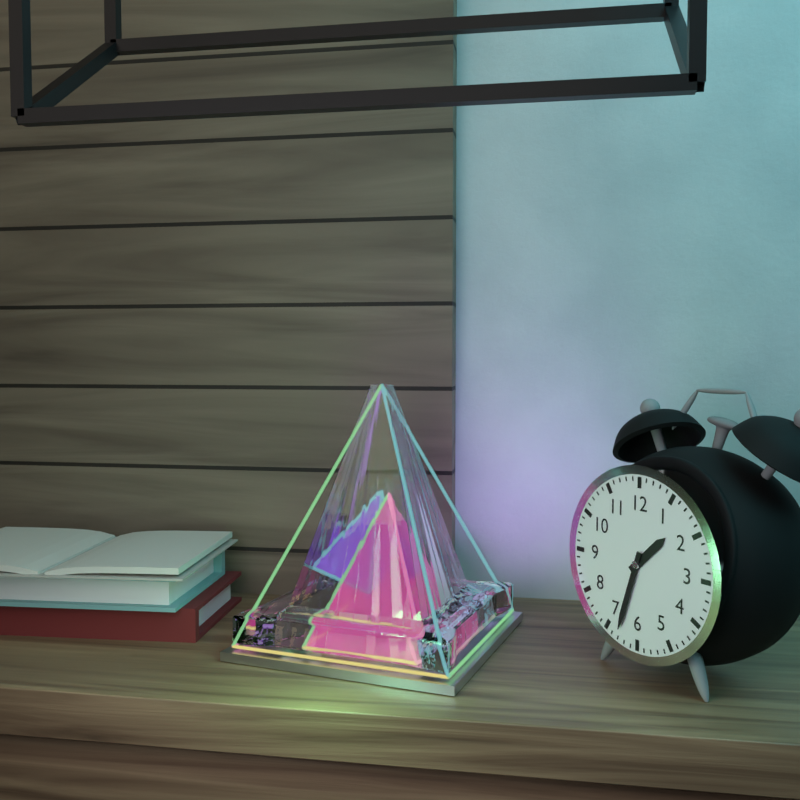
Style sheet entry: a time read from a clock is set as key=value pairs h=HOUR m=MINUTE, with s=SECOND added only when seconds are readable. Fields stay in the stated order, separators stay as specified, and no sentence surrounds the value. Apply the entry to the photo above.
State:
h=1 m=33
